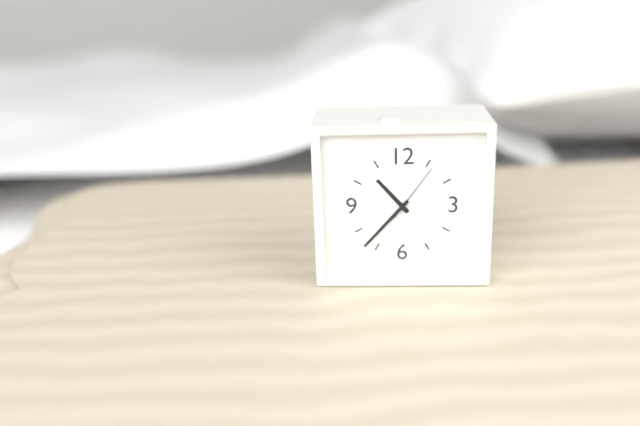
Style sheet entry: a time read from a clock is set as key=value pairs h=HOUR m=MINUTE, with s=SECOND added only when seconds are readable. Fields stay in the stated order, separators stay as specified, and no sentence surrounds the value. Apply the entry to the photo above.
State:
h=10 m=37 s=6
